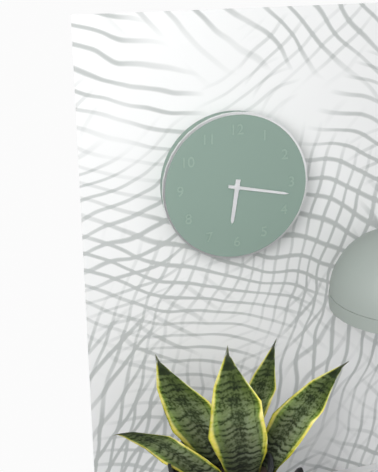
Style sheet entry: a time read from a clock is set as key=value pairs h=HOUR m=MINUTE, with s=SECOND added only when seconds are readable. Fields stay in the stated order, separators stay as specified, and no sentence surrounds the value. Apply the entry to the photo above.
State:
h=6 m=17
